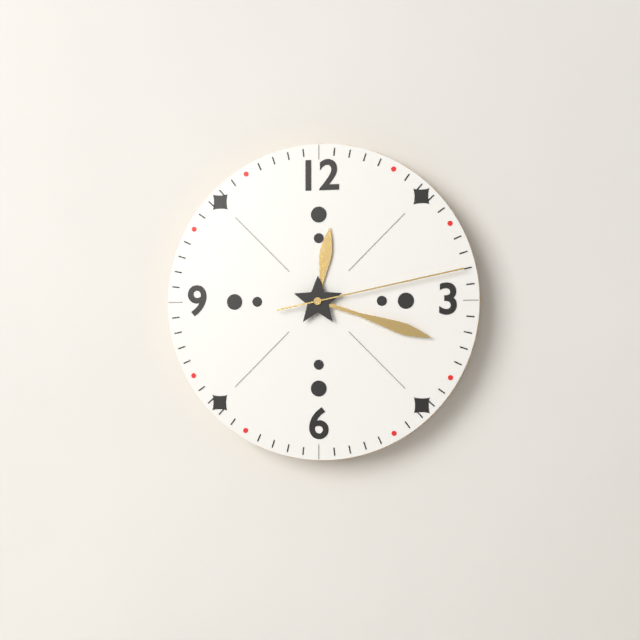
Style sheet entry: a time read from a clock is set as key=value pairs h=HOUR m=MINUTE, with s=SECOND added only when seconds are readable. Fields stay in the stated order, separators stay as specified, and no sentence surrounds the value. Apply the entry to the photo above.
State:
h=12 m=18 s=13
